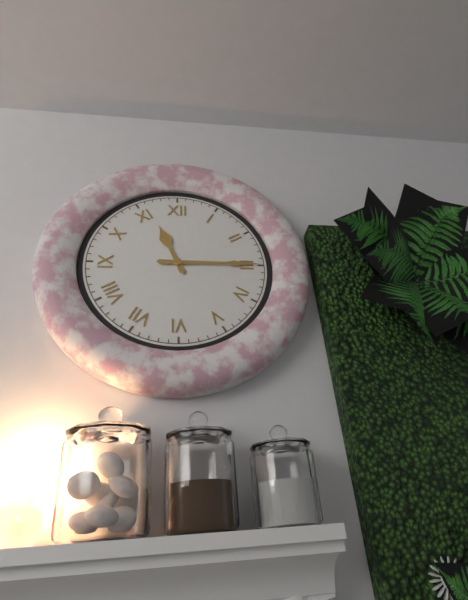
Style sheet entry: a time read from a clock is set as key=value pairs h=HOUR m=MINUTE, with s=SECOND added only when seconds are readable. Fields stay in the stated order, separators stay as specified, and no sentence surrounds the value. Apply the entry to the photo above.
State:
h=11 m=15
